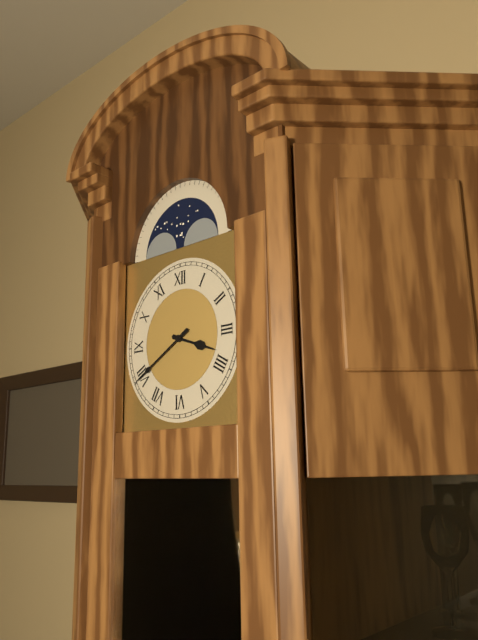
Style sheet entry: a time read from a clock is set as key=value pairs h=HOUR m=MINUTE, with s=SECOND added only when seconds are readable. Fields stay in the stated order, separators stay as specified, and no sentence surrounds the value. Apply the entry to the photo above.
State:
h=3 m=40
